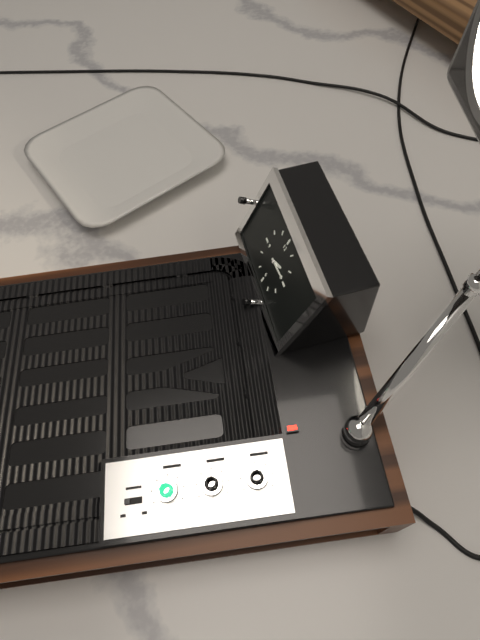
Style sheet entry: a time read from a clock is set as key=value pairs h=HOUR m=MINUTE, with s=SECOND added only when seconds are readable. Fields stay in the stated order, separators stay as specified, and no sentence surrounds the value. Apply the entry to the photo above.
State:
h=2 m=14
